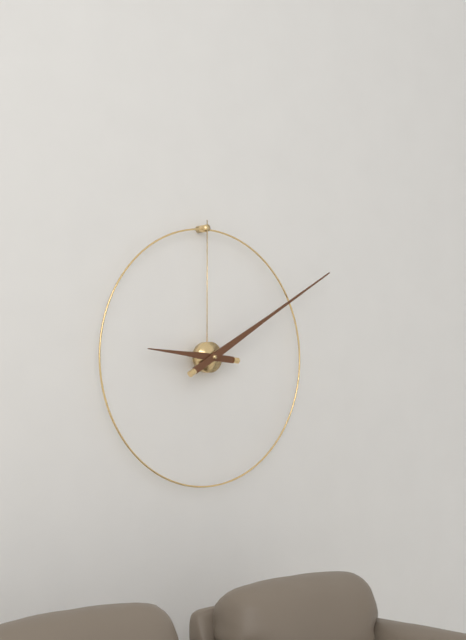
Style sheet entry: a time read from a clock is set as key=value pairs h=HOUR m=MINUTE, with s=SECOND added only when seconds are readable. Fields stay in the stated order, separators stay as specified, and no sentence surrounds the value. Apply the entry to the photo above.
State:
h=9 m=10
